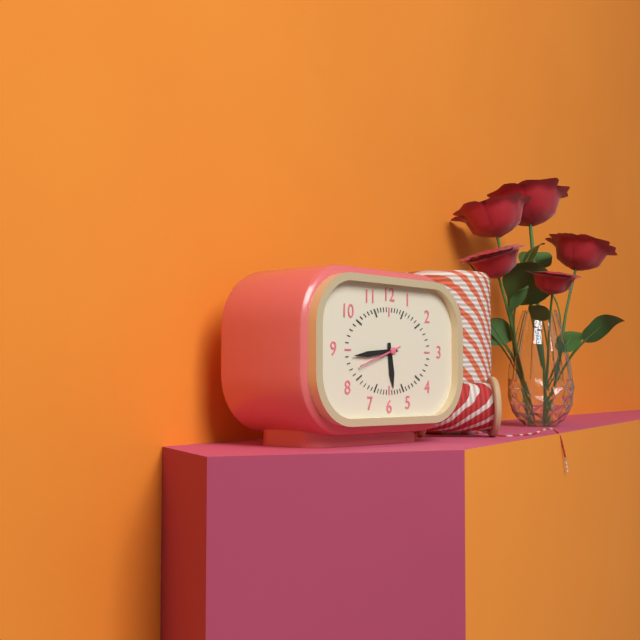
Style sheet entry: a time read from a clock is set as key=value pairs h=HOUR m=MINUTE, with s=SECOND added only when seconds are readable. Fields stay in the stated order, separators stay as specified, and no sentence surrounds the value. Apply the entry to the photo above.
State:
h=5 m=44
